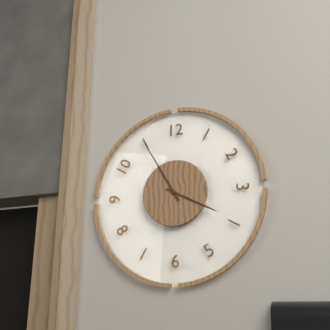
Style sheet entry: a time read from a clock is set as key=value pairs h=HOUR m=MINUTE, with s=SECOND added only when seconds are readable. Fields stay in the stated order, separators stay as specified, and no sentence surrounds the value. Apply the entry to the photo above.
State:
h=3 m=55
